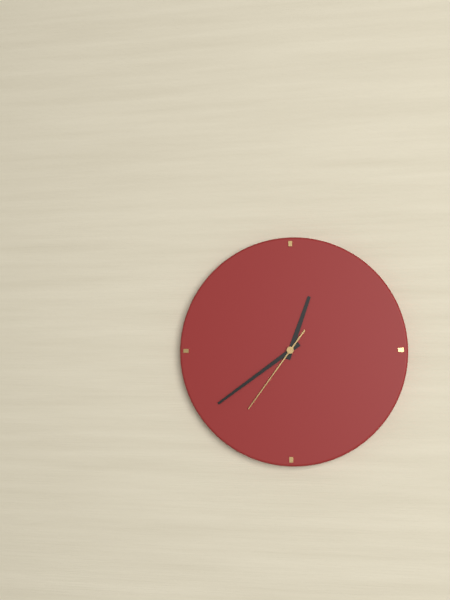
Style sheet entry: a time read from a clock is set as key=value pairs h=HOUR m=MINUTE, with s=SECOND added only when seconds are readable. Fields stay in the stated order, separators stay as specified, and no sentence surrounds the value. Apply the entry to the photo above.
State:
h=12 m=39 s=36
